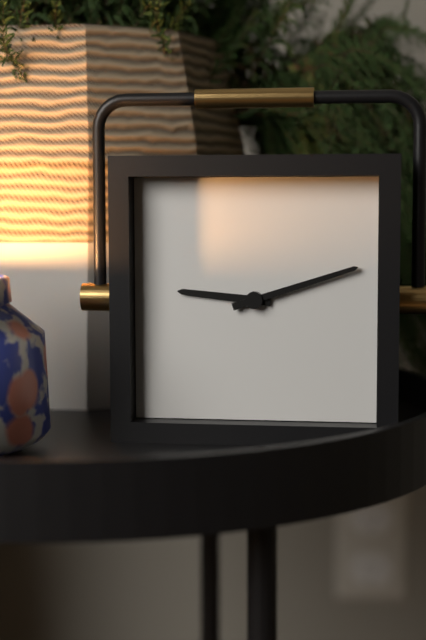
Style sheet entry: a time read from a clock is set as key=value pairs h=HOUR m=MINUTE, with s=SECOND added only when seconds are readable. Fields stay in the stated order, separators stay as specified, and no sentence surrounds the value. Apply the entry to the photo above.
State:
h=9 m=12
